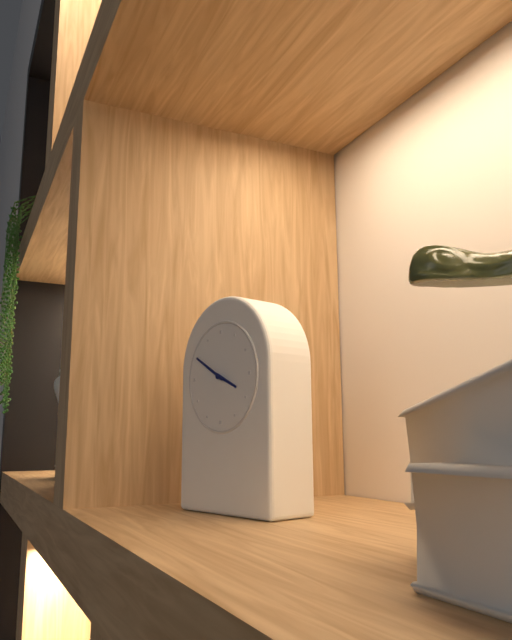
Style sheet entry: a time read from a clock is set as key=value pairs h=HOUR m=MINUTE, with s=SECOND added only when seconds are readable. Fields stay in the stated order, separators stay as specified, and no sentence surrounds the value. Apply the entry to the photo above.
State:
h=3 m=50
